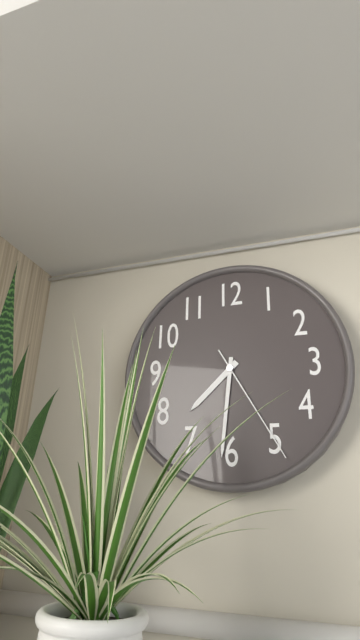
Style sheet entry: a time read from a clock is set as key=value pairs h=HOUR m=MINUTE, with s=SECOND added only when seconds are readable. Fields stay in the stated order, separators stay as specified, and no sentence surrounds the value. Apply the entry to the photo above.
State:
h=7 m=31 s=25
